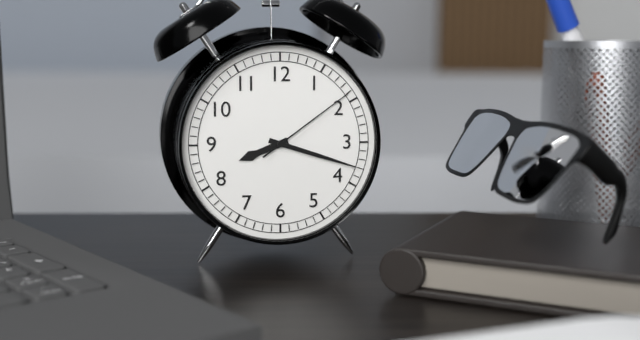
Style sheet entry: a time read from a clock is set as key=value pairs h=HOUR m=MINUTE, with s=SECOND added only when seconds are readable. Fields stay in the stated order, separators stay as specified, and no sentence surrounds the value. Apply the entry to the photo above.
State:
h=8 m=18 s=9
